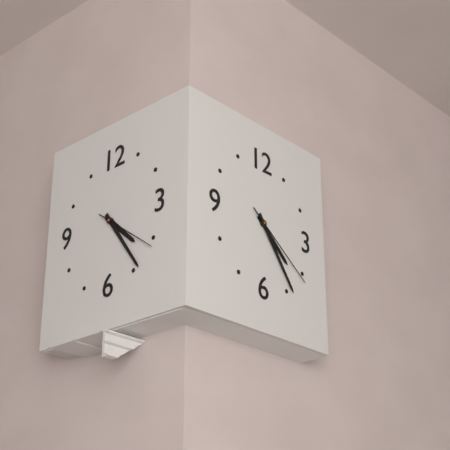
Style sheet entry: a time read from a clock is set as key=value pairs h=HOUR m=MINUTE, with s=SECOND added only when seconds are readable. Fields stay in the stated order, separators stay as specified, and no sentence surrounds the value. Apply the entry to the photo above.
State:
h=4 m=24 s=21
